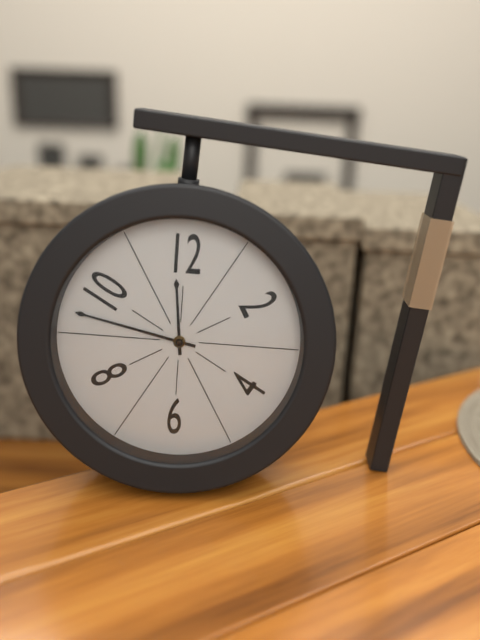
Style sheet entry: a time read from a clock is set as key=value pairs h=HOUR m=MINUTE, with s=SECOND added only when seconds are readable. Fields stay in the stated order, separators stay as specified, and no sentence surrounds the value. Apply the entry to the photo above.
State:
h=11 m=47
